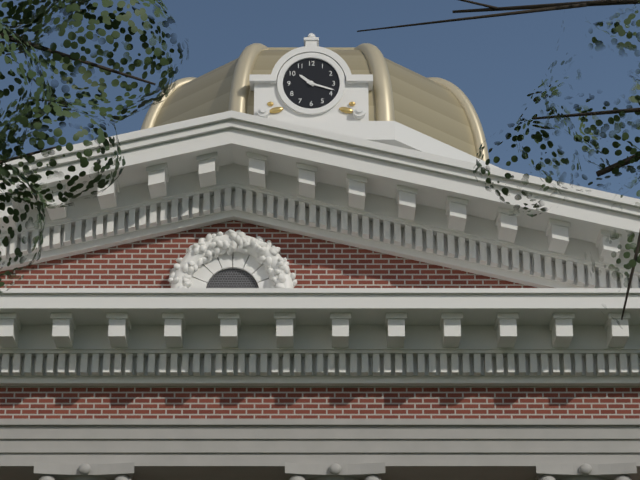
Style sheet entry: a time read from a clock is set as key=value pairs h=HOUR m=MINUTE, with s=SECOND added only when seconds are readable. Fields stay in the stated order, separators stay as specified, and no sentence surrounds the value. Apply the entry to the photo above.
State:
h=10 m=18
